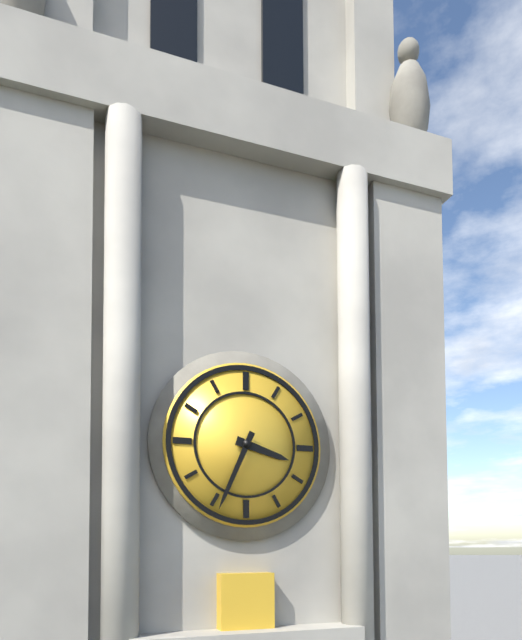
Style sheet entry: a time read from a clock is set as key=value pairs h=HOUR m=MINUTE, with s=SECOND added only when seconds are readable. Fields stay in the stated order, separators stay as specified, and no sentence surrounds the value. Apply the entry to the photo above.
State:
h=3 m=34
